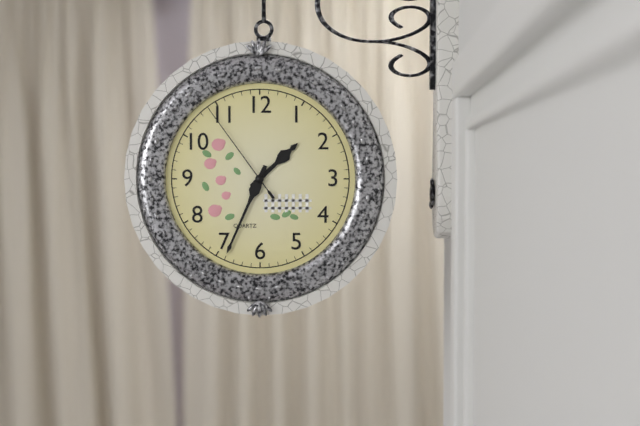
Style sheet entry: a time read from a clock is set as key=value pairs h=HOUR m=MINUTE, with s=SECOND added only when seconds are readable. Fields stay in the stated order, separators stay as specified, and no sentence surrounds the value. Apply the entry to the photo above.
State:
h=1 m=34 s=54
